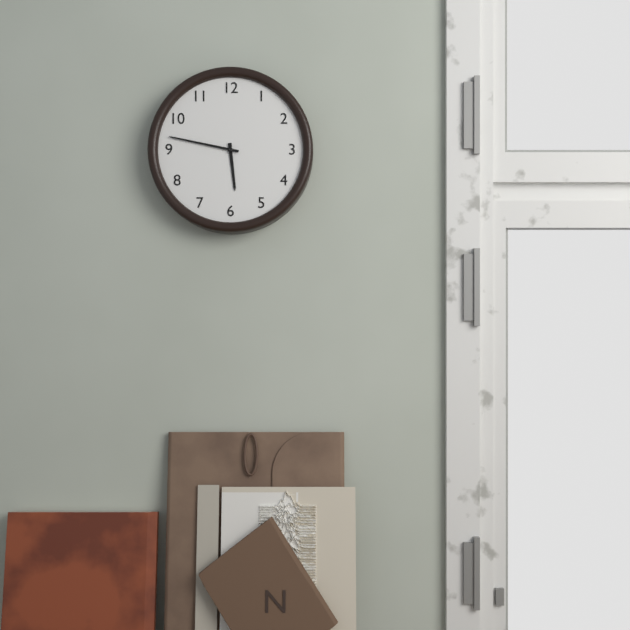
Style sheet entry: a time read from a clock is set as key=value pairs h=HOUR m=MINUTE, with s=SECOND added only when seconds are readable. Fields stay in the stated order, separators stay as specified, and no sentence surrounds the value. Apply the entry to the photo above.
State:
h=5 m=47
